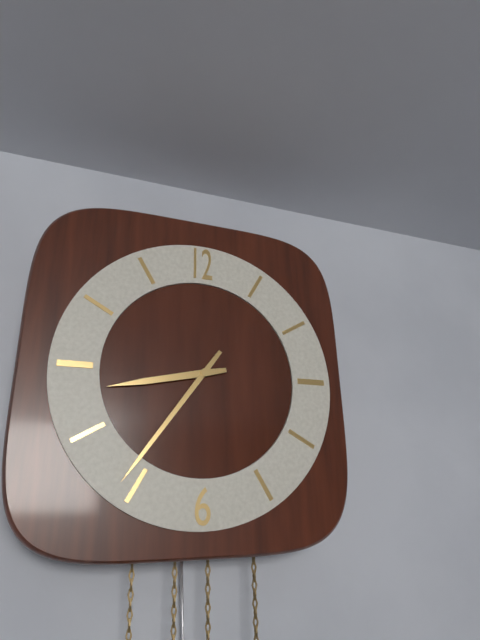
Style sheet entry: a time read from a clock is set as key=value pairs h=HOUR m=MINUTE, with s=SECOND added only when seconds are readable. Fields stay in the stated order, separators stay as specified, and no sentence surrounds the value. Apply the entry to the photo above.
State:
h=8 m=36
